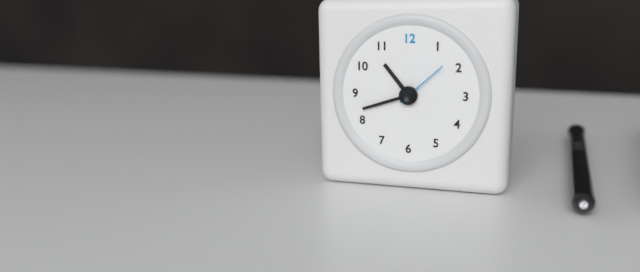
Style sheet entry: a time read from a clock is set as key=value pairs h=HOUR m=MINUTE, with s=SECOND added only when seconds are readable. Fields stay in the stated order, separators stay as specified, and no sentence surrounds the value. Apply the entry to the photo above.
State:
h=10 m=42 s=8
